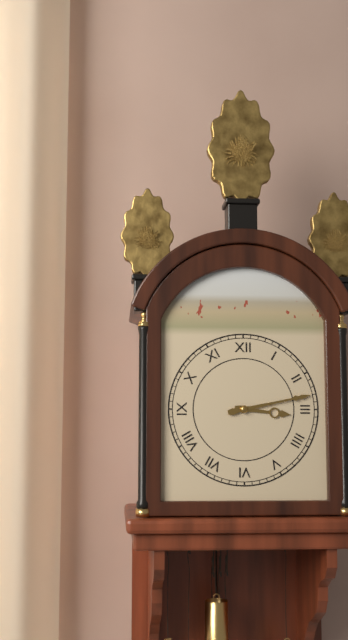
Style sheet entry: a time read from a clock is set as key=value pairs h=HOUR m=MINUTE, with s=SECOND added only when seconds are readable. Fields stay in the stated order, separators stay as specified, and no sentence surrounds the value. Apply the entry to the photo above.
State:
h=3 m=13
